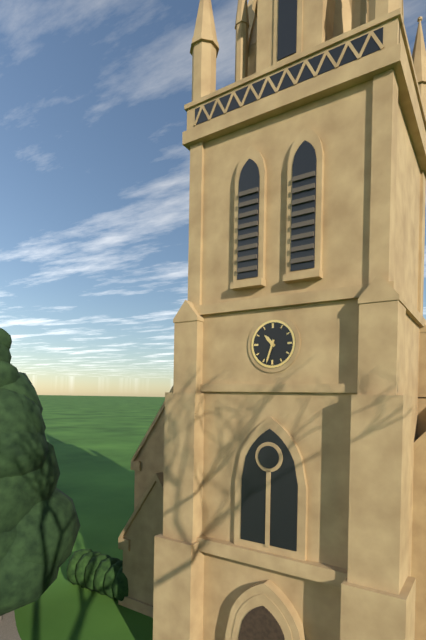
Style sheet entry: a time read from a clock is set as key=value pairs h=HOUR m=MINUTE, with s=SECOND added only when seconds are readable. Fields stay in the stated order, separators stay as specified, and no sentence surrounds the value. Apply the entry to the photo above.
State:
h=10 m=33
